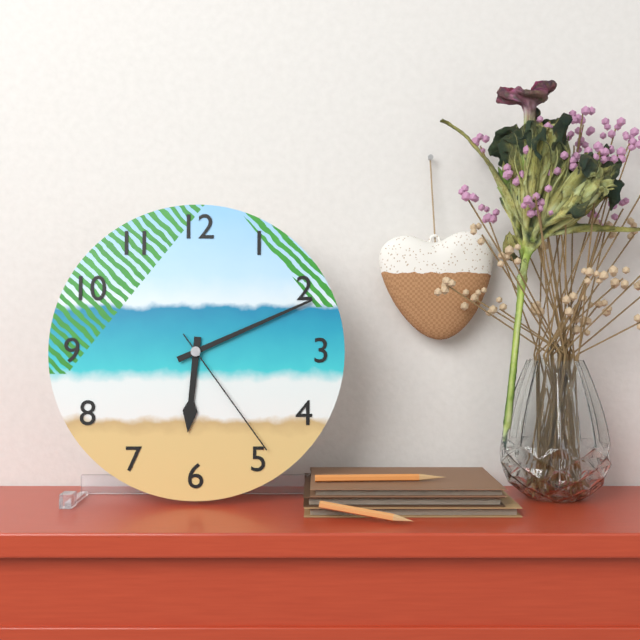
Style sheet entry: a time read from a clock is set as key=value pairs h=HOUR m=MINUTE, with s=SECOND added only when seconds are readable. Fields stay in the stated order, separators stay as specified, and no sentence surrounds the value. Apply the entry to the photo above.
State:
h=6 m=11 s=24
